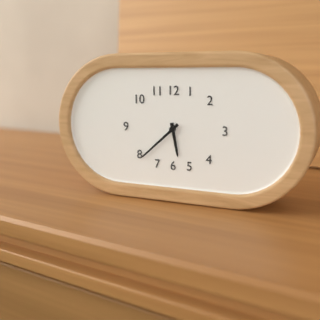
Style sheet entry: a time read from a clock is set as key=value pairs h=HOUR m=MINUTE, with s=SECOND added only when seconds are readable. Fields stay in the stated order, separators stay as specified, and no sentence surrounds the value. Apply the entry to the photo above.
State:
h=5 m=38
